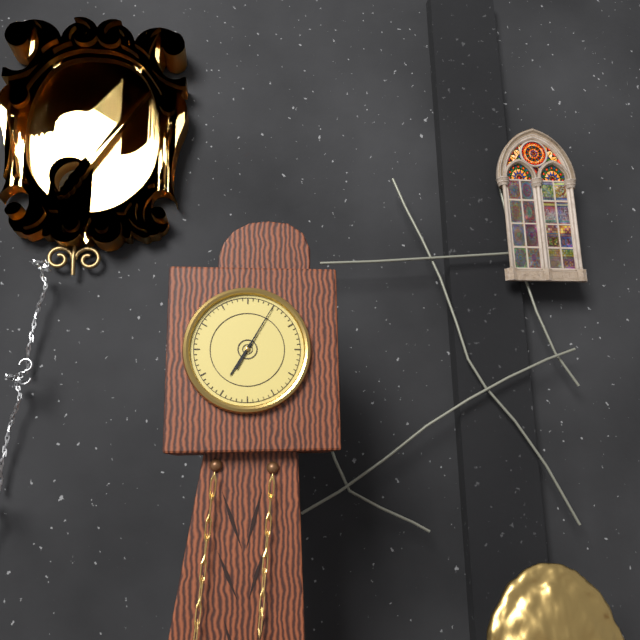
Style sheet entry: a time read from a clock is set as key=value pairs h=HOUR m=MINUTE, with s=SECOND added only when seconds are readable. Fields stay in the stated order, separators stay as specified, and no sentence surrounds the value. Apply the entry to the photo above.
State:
h=7 m=5
